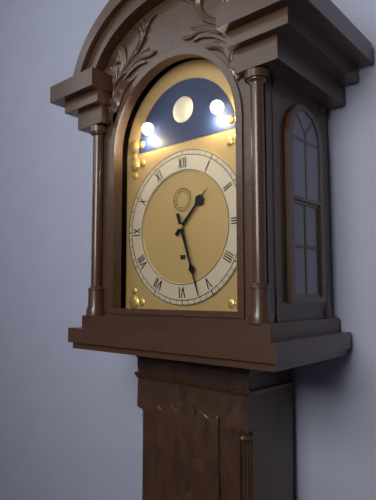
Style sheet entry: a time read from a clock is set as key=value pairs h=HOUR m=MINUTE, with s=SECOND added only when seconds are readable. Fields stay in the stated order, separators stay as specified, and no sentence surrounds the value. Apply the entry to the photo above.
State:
h=1 m=27
